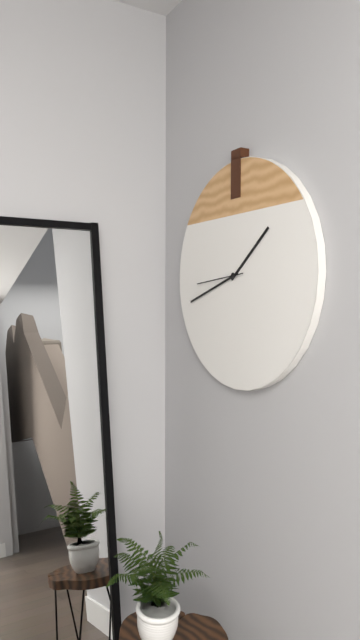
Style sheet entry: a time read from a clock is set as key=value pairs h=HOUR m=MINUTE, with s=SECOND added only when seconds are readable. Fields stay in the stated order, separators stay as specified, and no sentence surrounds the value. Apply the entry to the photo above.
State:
h=1 m=42
